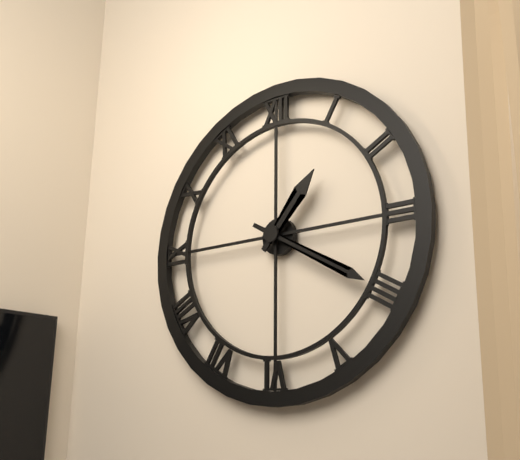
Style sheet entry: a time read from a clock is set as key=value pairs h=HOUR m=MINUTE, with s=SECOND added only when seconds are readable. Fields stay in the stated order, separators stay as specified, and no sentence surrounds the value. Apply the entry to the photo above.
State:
h=1 m=20
